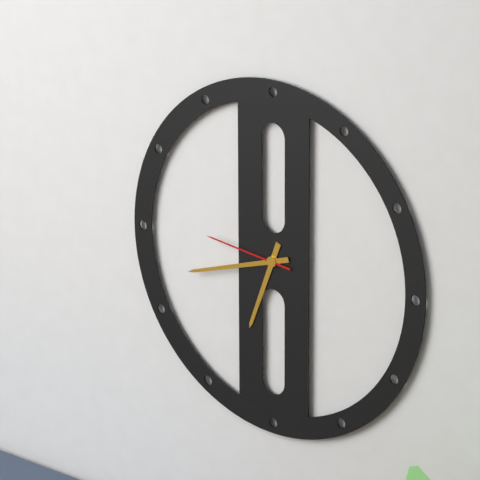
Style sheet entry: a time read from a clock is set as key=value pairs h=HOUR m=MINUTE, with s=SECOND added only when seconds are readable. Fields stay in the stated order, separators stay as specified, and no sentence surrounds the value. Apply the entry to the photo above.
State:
h=6 m=42 s=46
